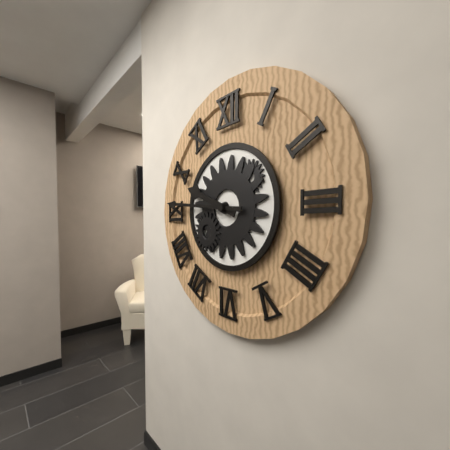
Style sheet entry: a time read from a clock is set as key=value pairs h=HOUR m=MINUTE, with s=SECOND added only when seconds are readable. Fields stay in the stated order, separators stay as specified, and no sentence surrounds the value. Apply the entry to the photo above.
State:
h=9 m=46
